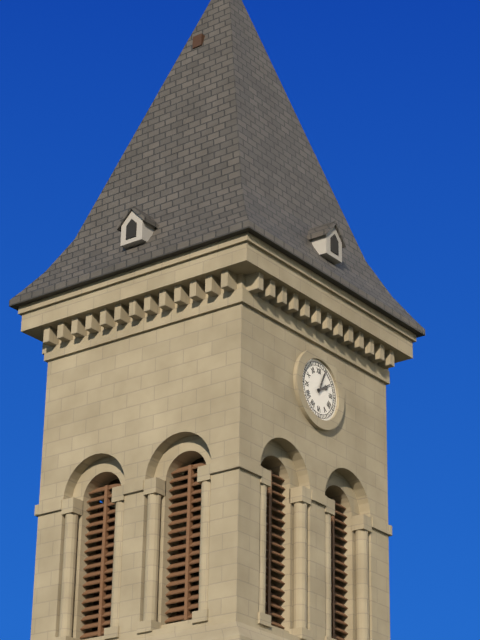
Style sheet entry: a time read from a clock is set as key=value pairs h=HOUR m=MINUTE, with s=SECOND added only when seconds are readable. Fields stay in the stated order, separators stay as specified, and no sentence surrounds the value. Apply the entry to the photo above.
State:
h=2 m=4
